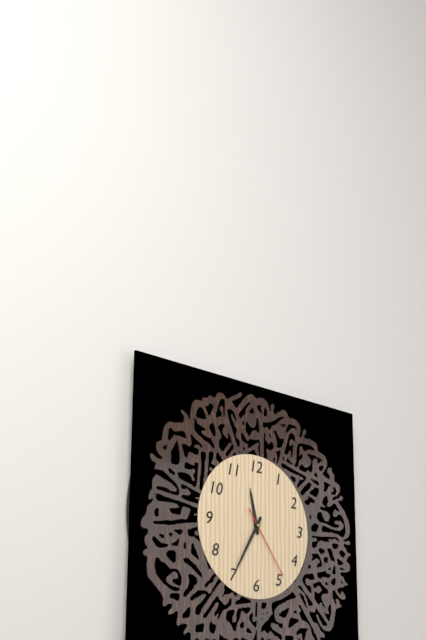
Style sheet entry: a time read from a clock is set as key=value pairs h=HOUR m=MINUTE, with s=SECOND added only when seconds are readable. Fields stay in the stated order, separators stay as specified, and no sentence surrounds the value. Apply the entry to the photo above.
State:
h=11 m=35 s=24
